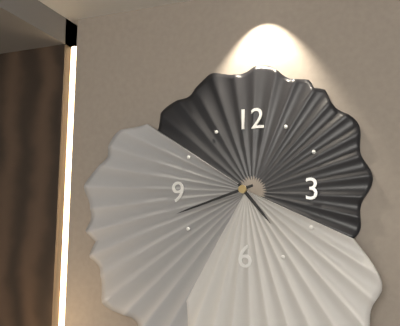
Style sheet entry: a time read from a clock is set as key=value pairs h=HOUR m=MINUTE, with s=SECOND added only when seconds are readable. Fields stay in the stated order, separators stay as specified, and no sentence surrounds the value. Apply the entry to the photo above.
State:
h=4 m=42
